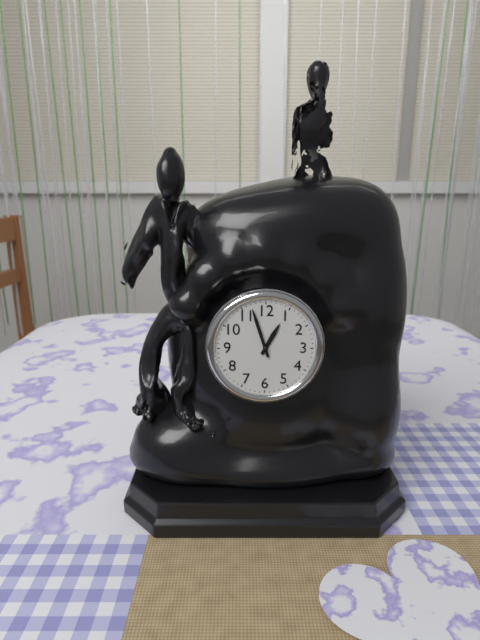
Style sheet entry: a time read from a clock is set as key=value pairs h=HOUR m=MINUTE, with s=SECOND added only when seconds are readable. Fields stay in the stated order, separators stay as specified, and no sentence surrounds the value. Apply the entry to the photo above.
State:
h=12 m=57
